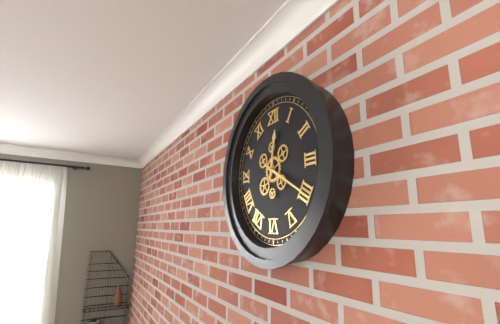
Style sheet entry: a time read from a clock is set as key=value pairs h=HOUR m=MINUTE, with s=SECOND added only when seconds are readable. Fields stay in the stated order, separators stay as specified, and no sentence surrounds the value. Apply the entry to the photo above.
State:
h=12 m=20
